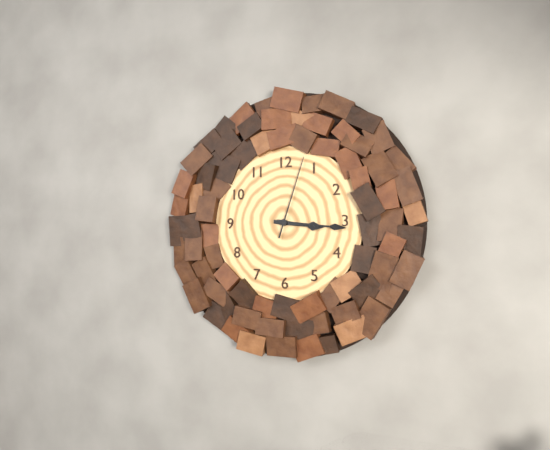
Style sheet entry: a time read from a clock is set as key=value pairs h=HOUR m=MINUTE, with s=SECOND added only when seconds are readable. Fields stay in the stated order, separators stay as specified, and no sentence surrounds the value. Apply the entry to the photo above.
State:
h=3 m=16 s=3
